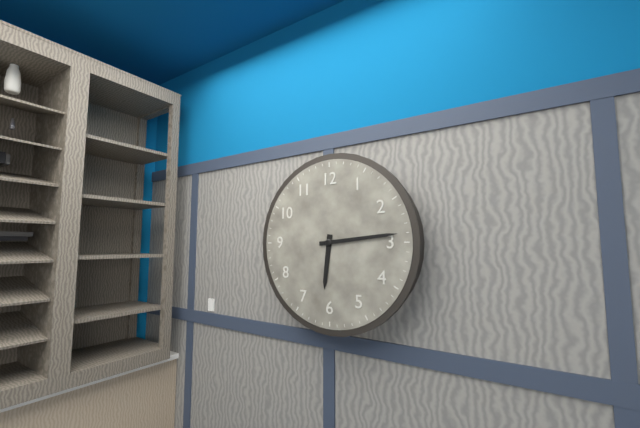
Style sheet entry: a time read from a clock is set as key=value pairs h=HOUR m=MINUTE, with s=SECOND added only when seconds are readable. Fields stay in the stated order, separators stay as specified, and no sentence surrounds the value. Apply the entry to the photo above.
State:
h=6 m=14
